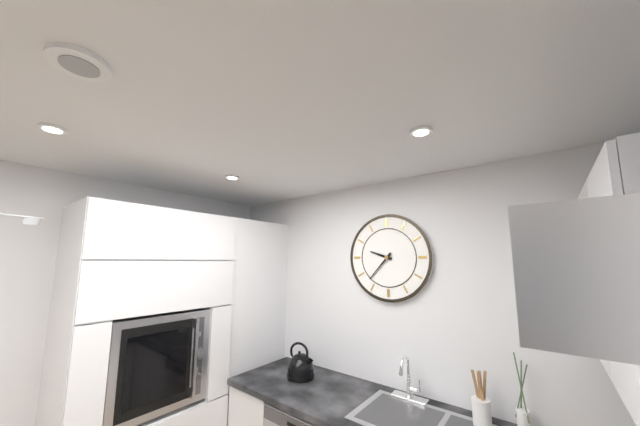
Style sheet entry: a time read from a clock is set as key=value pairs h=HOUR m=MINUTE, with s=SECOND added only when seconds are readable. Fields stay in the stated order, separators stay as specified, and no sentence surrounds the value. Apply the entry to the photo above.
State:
h=9 m=37
